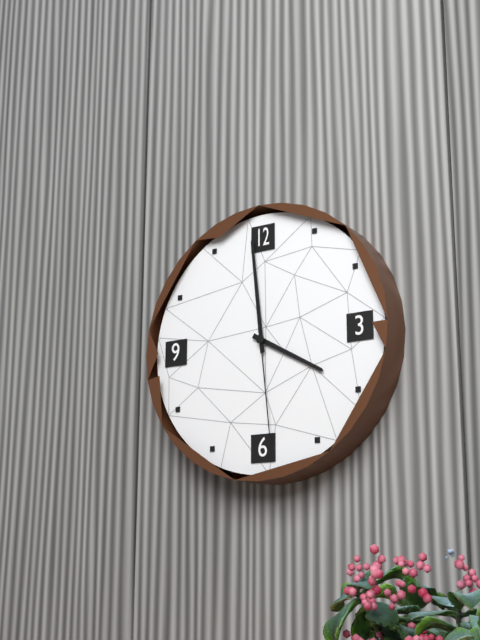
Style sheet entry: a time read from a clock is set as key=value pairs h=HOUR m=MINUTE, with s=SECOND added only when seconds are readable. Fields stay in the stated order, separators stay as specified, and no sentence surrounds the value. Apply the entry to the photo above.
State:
h=3 m=59 s=29
